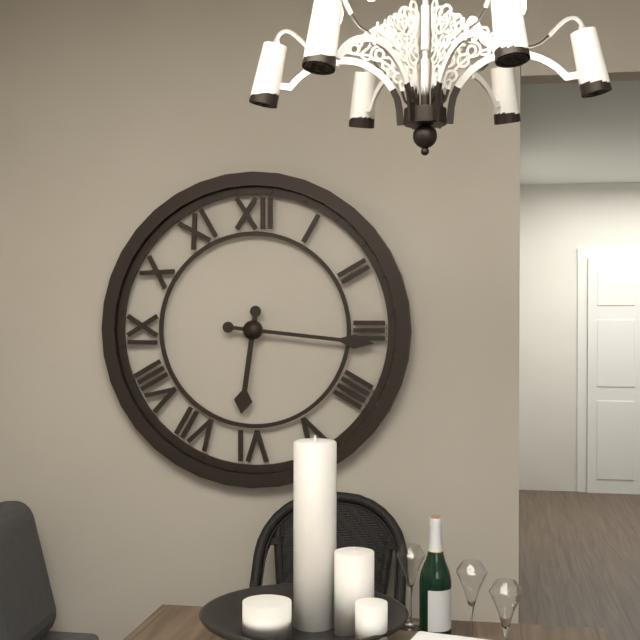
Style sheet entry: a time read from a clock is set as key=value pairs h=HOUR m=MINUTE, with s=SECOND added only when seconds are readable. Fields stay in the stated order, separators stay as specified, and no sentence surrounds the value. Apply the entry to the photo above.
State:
h=6 m=16
